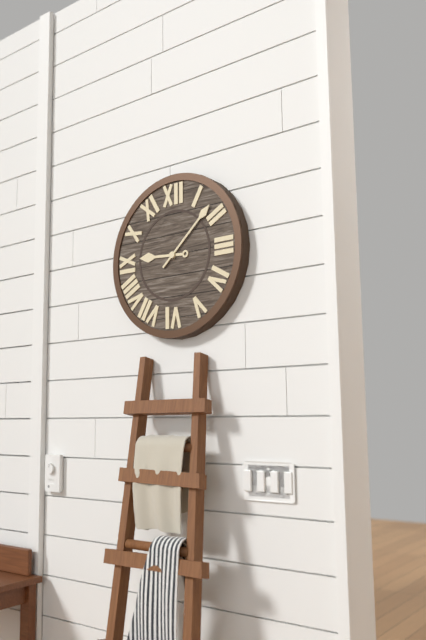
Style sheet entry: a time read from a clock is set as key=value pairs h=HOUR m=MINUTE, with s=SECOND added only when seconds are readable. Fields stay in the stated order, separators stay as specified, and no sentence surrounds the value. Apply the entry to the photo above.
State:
h=9 m=8
